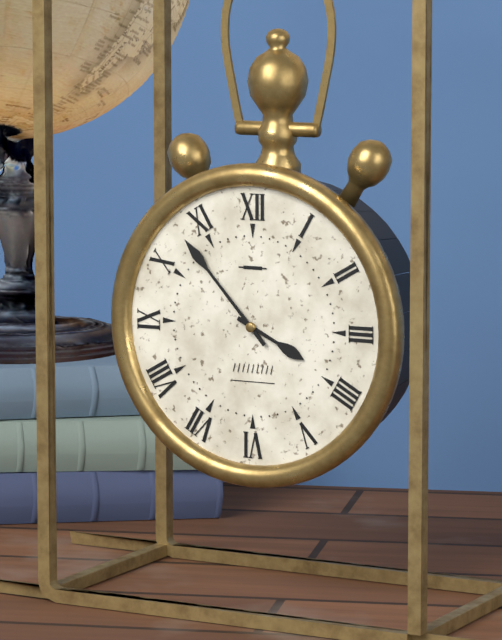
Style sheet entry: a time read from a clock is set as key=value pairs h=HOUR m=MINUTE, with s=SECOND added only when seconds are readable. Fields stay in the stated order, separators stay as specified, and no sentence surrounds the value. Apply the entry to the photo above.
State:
h=3 m=53
